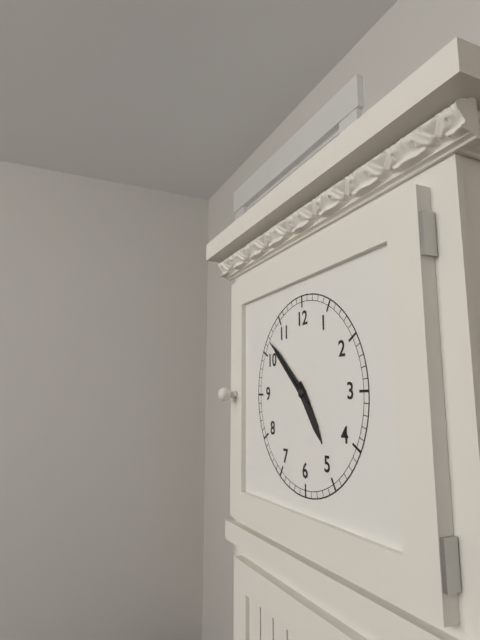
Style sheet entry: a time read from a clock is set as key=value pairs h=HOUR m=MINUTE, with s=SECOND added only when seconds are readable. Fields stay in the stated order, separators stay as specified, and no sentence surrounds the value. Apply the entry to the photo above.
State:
h=4 m=52 s=52
